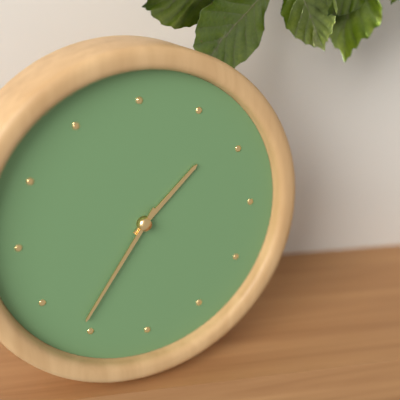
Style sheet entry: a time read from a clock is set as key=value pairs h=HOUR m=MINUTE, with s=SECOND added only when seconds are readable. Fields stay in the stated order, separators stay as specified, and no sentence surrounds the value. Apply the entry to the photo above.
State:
h=1 m=36
